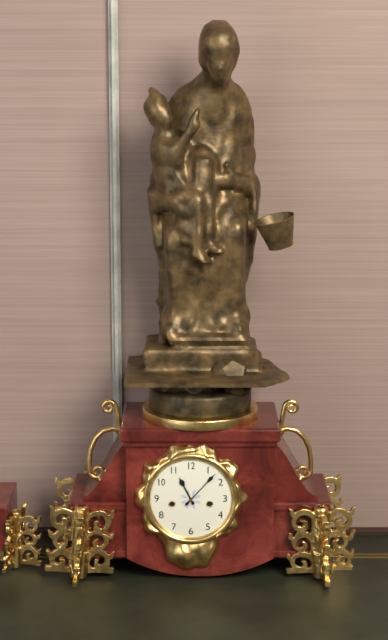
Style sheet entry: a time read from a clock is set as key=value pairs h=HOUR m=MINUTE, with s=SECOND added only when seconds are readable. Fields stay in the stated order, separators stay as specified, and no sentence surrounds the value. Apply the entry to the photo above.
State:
h=11 m=7
